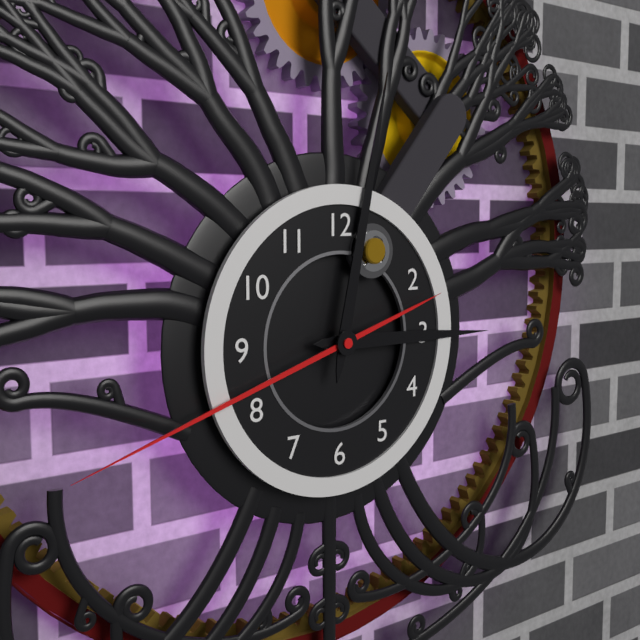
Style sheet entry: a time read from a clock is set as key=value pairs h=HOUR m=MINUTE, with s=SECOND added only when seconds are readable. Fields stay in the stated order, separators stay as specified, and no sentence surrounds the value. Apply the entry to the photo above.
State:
h=3 m=2 s=42
